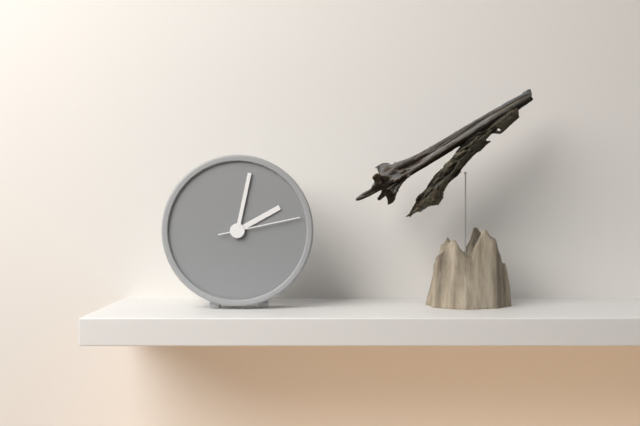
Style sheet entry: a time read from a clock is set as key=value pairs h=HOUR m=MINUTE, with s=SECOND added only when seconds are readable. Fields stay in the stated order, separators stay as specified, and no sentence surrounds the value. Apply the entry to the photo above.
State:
h=2 m=2 s=13
